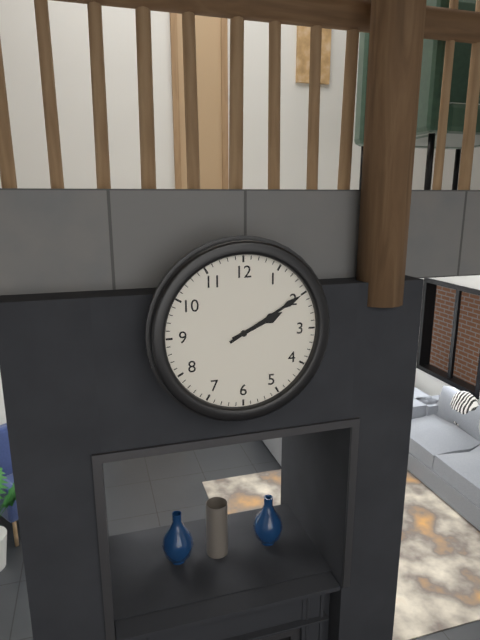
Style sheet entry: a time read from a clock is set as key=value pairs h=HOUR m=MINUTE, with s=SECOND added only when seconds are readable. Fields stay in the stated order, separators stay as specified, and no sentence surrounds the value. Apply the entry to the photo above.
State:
h=2 m=10
